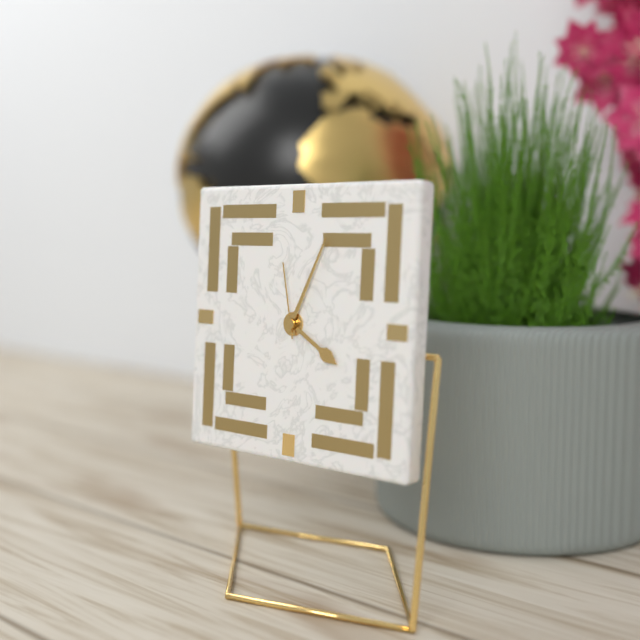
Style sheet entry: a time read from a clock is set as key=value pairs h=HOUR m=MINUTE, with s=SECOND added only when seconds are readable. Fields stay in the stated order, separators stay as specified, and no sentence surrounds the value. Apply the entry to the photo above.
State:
h=4 m=4 s=58
